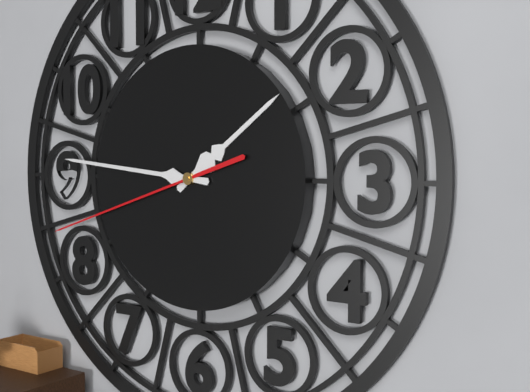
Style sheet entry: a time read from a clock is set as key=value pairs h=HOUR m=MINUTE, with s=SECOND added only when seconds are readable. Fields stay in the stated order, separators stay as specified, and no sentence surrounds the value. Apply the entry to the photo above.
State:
h=1 m=46 s=42
